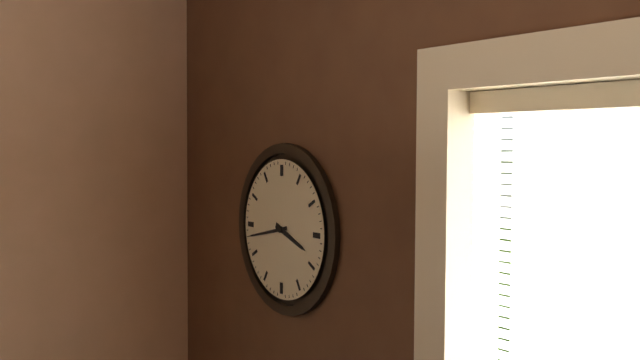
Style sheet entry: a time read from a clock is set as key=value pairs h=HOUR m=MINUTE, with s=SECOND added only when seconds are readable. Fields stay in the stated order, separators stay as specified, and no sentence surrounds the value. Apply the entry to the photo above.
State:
h=3 m=43
